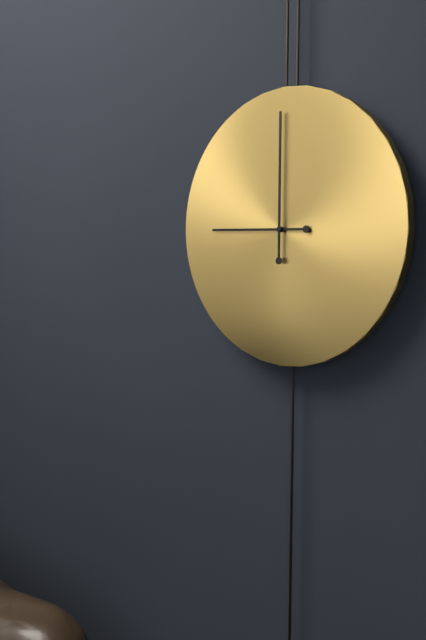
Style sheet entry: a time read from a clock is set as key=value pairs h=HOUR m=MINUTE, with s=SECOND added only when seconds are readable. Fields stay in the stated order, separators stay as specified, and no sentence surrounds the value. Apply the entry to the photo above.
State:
h=9 m=0
